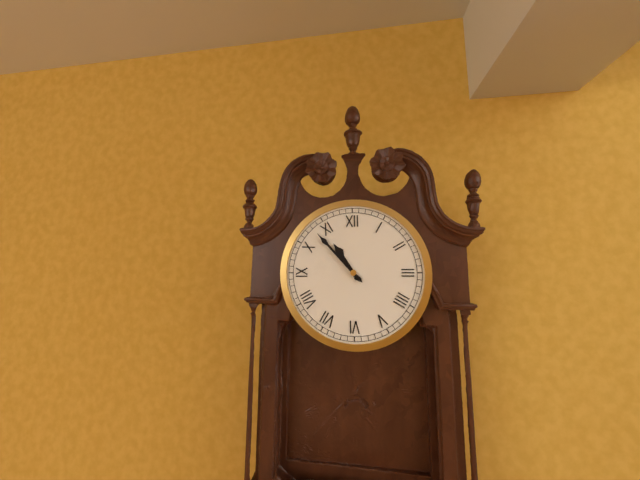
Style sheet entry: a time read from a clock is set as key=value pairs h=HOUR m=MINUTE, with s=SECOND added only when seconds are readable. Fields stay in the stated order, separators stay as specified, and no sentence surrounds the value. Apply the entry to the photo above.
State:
h=10 m=53
